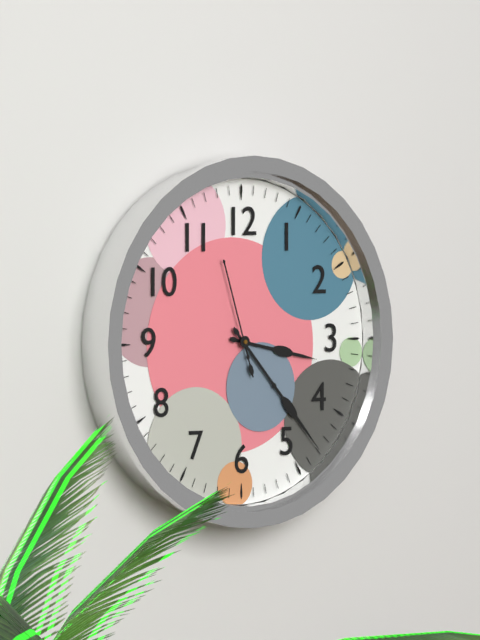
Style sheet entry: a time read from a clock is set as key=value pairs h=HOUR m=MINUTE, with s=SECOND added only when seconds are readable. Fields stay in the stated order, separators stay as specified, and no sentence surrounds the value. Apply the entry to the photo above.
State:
h=3 m=23 s=57
